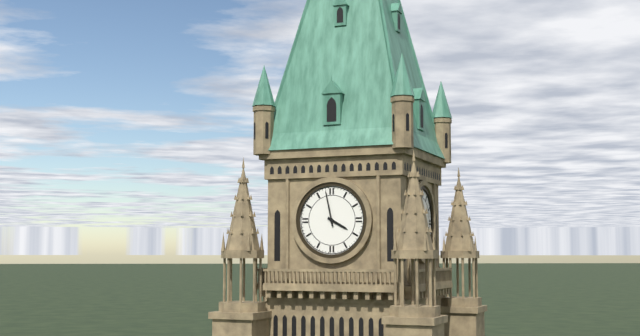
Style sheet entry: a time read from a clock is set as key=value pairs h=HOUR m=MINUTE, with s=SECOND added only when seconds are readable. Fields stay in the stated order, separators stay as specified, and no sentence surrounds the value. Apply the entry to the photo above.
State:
h=3 m=58
